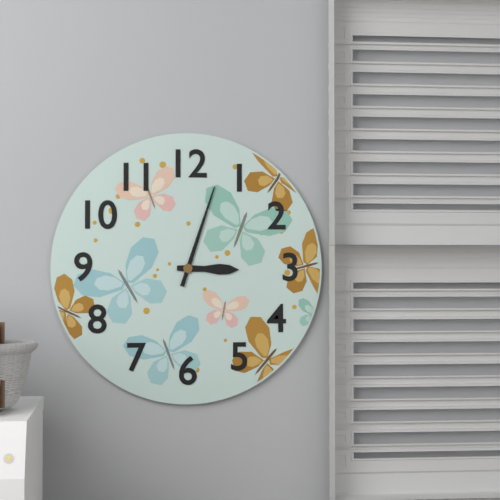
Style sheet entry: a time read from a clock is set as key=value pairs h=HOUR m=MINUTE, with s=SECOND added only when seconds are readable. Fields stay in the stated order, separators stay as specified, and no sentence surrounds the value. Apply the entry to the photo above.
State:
h=3 m=3
